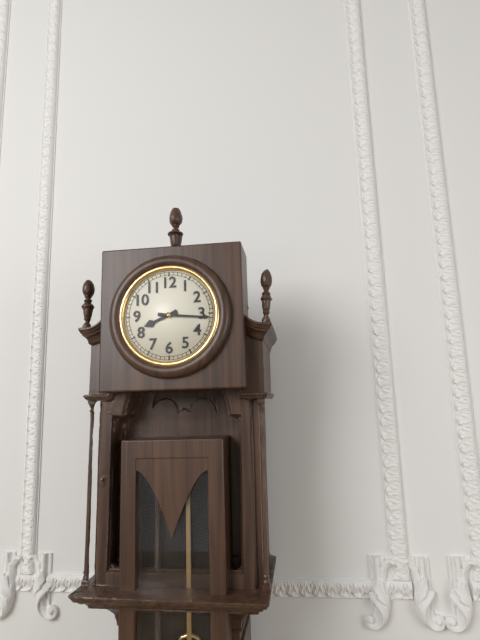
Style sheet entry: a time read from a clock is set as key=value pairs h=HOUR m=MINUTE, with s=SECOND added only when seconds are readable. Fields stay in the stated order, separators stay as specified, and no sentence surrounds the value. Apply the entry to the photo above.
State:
h=8 m=16
